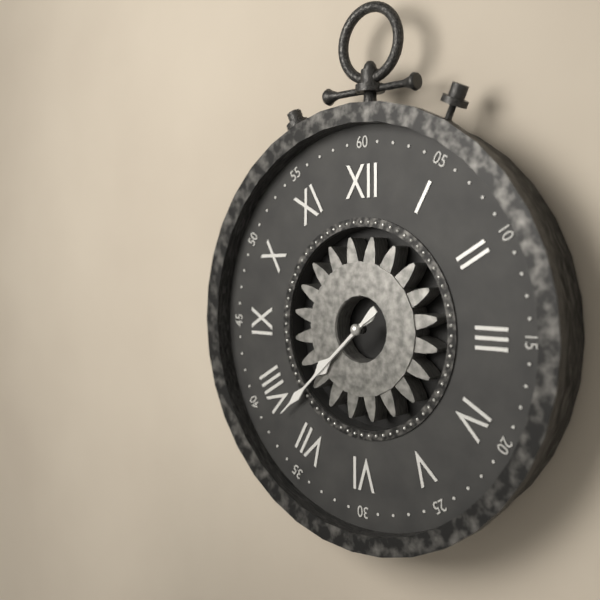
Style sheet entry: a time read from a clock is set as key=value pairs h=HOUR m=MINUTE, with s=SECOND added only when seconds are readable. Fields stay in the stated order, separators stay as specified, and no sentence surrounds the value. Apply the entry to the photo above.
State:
h=7 m=38
